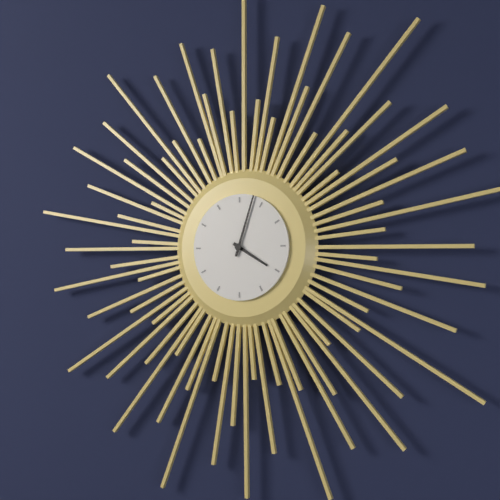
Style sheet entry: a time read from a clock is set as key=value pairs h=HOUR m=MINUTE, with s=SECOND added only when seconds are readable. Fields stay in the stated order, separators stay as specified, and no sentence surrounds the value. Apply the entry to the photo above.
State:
h=4 m=3
